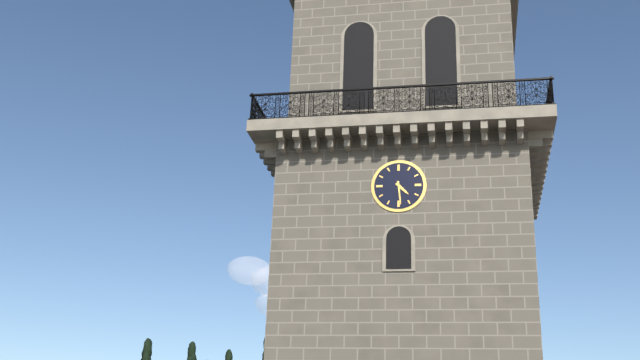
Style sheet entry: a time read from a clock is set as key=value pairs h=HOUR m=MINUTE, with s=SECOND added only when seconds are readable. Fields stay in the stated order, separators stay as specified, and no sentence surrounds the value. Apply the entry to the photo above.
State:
h=4 m=29
